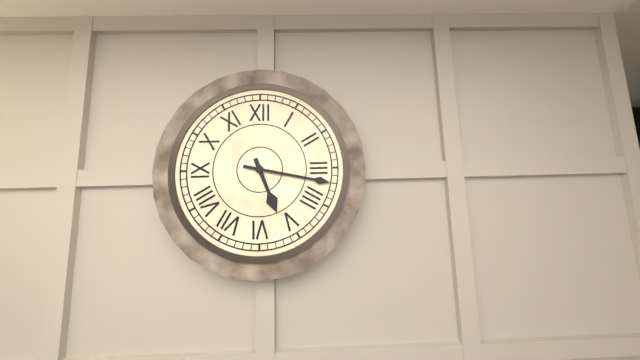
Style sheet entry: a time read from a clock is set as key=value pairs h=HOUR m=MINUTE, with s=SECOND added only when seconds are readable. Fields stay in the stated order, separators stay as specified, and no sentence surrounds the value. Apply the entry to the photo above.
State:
h=5 m=17
